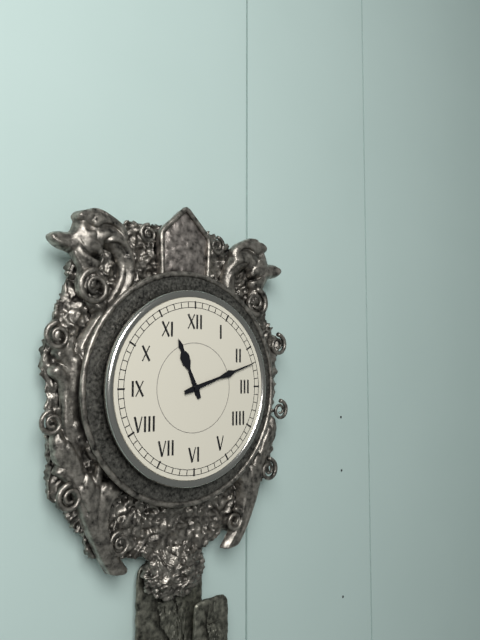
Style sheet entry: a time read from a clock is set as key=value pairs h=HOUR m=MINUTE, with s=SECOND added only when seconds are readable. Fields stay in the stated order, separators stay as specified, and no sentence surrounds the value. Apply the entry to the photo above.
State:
h=11 m=12
